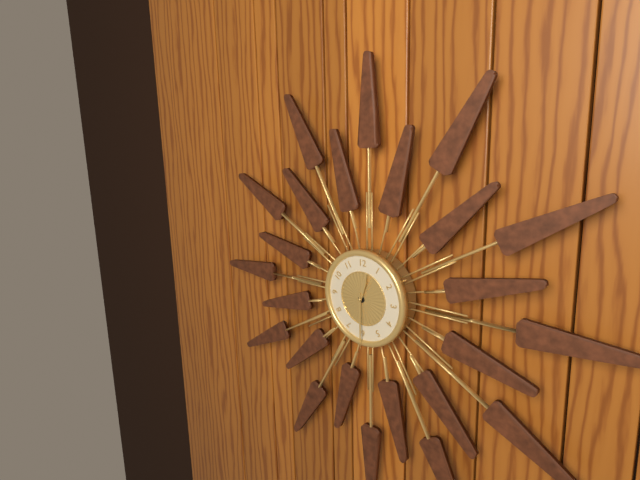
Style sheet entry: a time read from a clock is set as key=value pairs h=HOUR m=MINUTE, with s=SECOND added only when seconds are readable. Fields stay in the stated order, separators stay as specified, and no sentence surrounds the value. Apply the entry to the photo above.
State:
h=12 m=30
